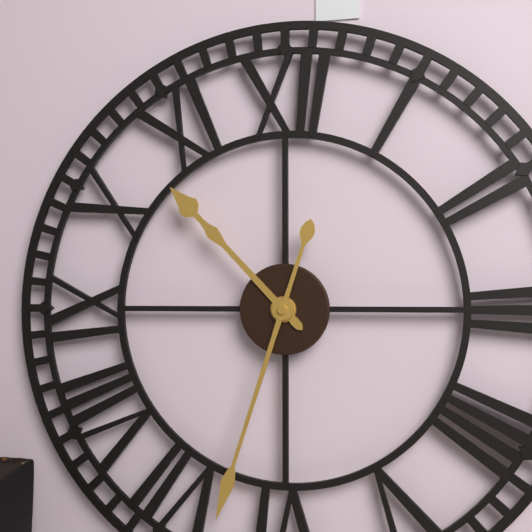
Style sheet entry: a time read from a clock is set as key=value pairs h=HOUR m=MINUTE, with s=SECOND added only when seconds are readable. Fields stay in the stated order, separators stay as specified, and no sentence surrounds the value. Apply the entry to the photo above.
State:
h=10 m=33
